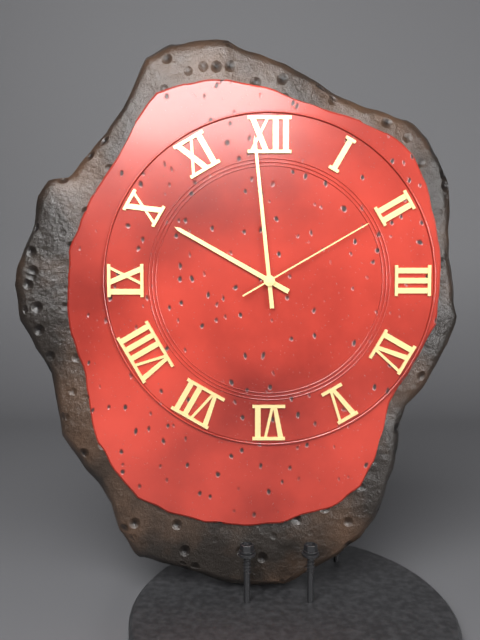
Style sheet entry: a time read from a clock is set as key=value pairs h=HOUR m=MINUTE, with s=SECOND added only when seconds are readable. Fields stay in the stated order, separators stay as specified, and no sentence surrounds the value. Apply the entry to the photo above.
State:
h=9 m=59 s=10
